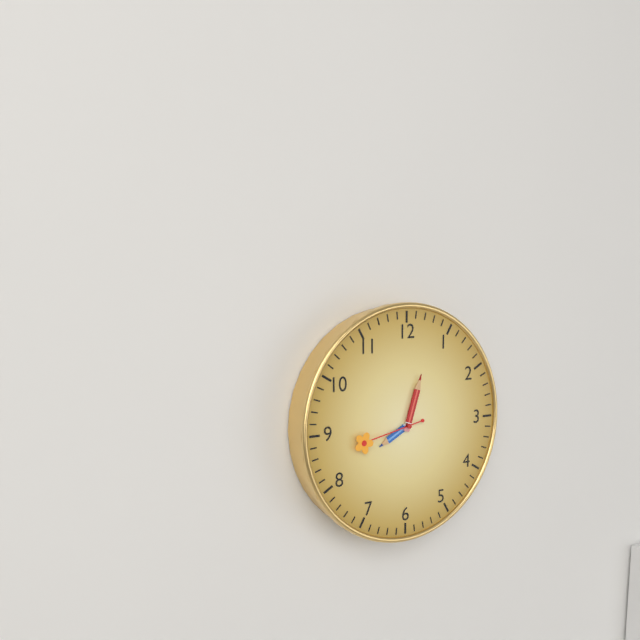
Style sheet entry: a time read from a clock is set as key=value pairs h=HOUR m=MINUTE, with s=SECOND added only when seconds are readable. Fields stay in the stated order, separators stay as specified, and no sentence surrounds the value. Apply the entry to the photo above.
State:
h=8 m=3 s=43
